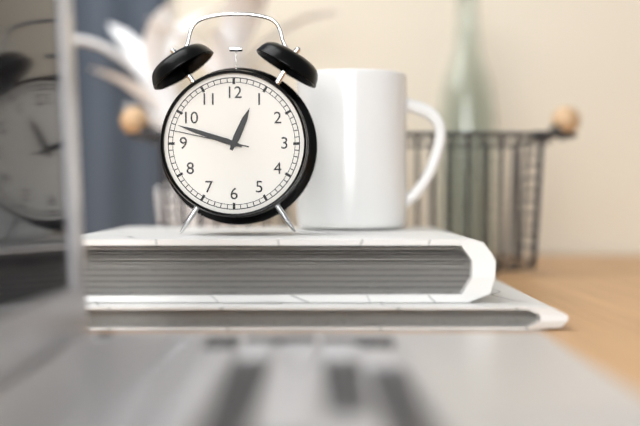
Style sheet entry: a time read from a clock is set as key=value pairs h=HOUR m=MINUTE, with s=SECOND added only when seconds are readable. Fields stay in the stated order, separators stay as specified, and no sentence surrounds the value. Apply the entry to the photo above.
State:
h=12 m=48 s=47
